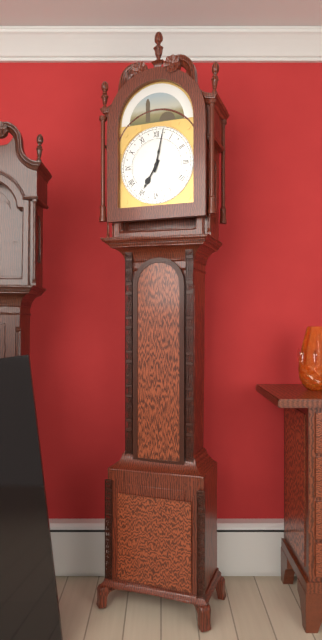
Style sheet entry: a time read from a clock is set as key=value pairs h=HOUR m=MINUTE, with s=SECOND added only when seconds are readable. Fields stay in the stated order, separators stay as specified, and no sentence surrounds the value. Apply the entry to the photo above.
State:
h=7 m=2
